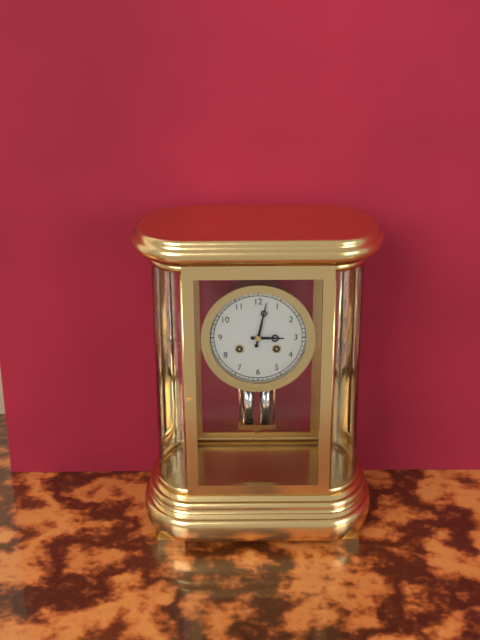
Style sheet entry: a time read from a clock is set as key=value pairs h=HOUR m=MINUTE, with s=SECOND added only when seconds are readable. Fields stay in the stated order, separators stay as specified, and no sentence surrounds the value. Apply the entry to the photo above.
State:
h=3 m=2
